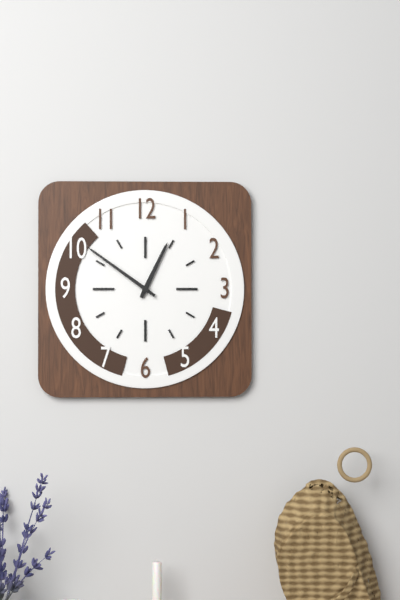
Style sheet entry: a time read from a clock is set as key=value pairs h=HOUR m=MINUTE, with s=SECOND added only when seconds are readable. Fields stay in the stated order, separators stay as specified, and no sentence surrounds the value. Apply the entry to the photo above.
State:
h=12 m=51
